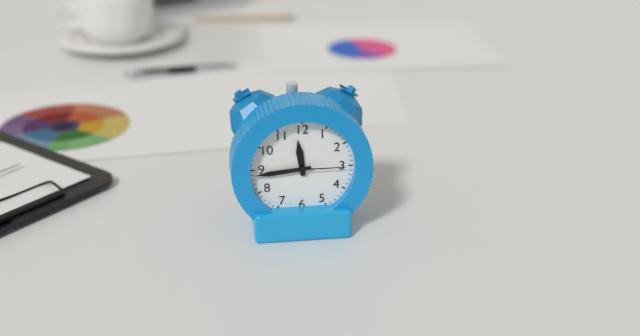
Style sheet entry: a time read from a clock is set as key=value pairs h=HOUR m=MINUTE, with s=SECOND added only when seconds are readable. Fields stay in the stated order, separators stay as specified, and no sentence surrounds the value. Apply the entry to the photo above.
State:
h=11 m=44 s=15
